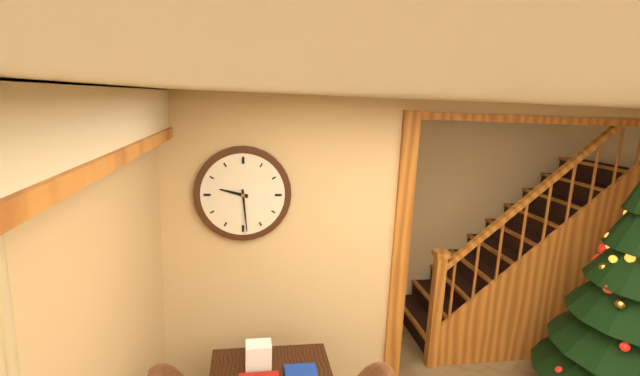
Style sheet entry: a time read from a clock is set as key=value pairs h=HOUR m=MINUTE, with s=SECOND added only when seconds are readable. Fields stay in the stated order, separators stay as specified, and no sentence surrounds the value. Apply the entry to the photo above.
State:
h=9 m=29
